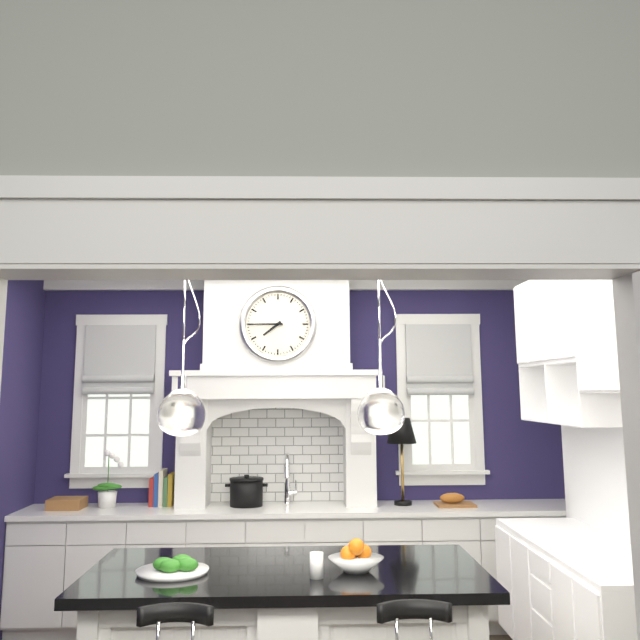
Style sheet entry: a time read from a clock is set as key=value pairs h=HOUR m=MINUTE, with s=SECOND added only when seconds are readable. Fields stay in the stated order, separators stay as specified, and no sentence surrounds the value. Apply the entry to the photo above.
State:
h=7 m=45
